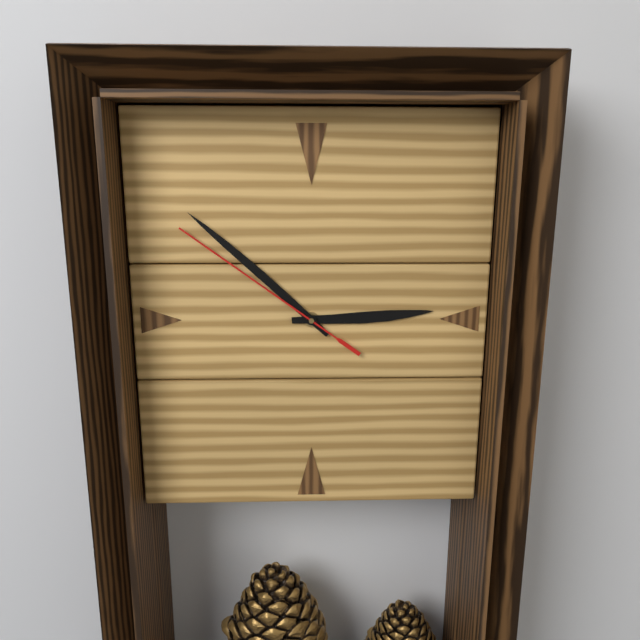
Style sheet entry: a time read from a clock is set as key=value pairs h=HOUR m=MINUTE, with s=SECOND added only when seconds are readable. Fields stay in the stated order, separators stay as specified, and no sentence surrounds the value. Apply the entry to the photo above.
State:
h=2 m=52 s=51
